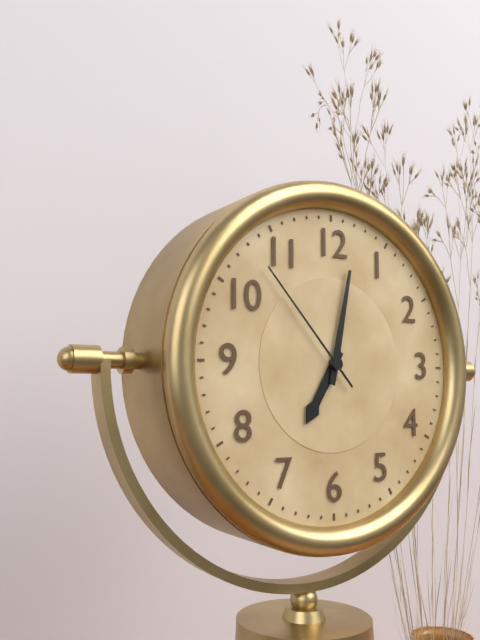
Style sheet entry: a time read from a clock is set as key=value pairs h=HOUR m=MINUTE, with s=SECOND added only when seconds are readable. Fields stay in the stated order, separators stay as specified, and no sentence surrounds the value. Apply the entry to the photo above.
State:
h=7 m=2 s=53
